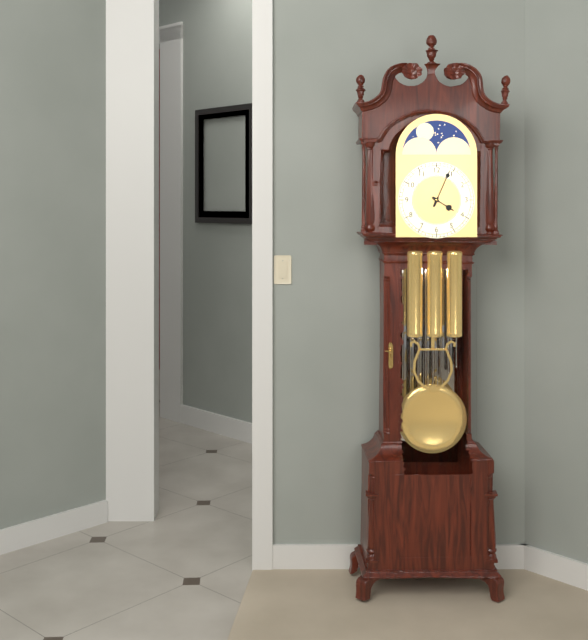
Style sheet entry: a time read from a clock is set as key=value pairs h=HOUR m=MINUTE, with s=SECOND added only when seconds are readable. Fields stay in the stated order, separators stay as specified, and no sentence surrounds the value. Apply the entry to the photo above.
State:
h=4 m=4
